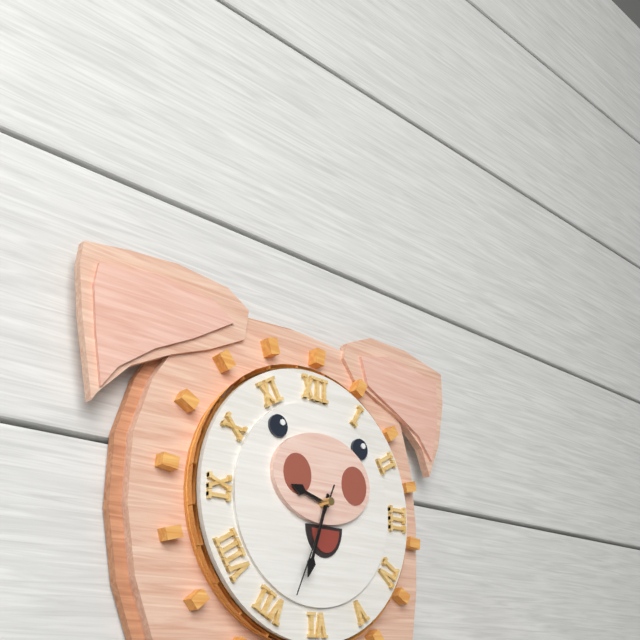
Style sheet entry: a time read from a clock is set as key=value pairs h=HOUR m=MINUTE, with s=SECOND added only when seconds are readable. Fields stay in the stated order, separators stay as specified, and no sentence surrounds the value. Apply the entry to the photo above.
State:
h=9 m=33 s=34
